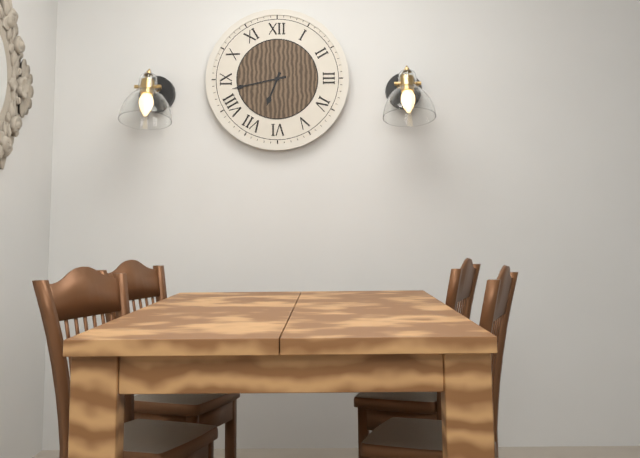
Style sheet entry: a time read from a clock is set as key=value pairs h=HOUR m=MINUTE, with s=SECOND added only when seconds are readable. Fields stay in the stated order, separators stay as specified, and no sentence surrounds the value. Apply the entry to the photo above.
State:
h=6 m=43
